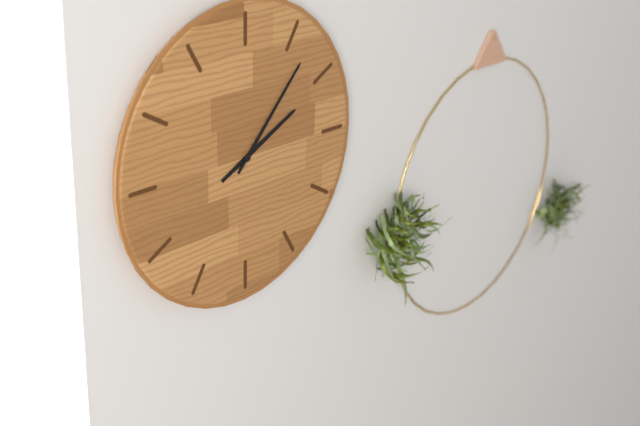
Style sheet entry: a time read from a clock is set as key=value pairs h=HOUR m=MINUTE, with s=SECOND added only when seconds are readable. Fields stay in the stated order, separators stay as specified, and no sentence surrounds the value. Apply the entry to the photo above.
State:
h=2 m=7
